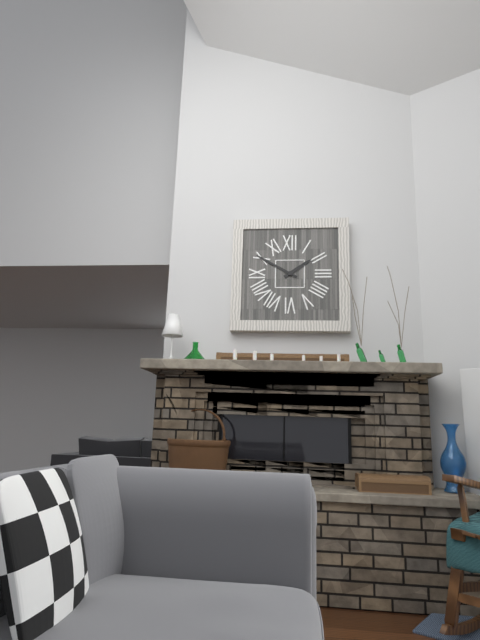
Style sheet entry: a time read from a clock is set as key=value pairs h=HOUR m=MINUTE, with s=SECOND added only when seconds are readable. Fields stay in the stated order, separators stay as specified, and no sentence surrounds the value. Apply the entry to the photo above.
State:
h=1 m=50
